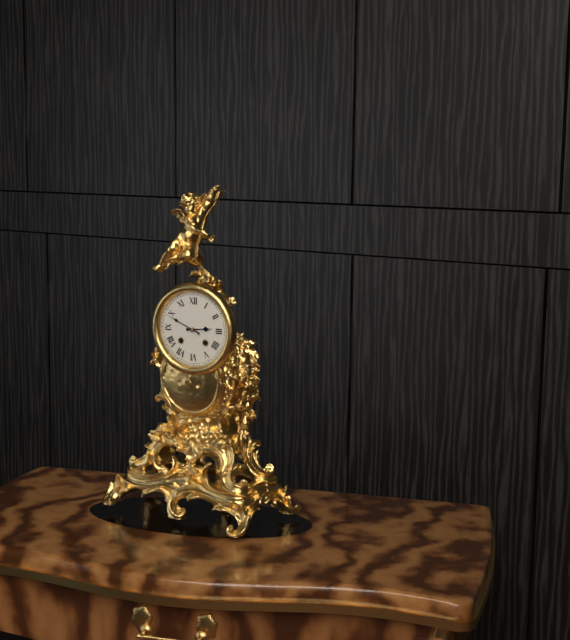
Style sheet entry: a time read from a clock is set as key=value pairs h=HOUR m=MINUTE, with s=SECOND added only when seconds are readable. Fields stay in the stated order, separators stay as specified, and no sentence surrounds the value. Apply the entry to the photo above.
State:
h=2 m=49
